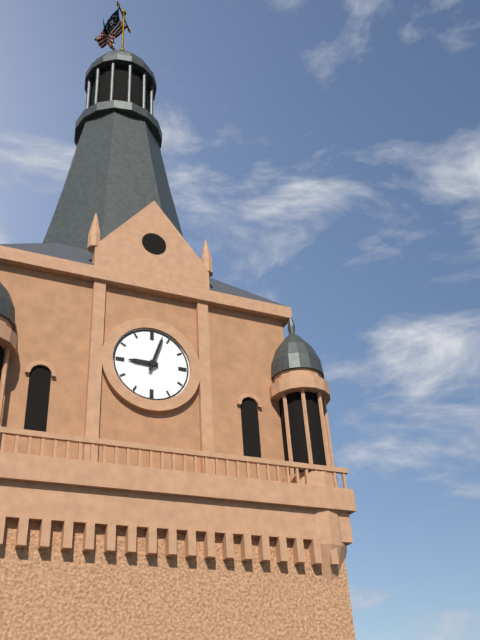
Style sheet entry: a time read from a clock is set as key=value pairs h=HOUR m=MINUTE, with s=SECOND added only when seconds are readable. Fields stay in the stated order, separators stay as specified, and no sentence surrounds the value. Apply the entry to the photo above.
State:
h=9 m=3
